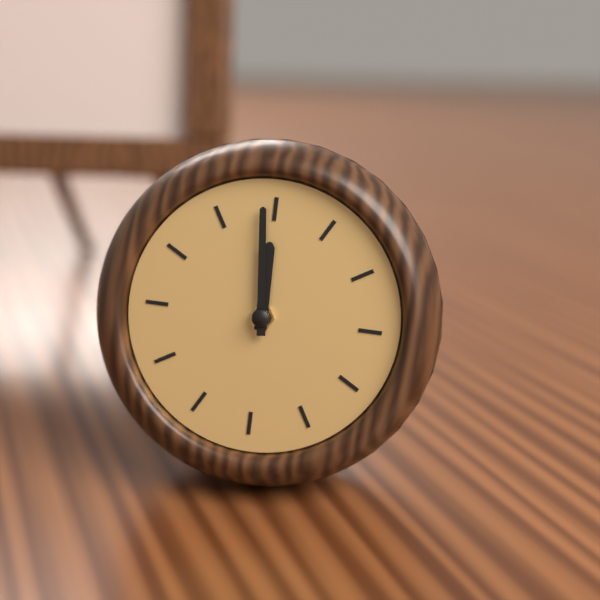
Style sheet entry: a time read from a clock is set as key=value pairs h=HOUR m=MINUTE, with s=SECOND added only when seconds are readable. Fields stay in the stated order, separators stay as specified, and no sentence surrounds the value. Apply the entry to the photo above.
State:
h=11 m=59
